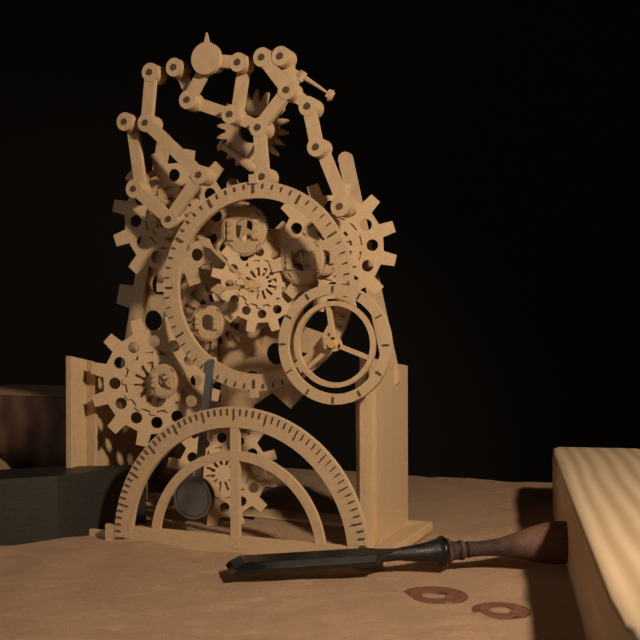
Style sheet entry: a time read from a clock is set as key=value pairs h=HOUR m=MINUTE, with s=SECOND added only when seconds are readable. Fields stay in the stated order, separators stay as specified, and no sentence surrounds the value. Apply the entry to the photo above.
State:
h=8 m=52
